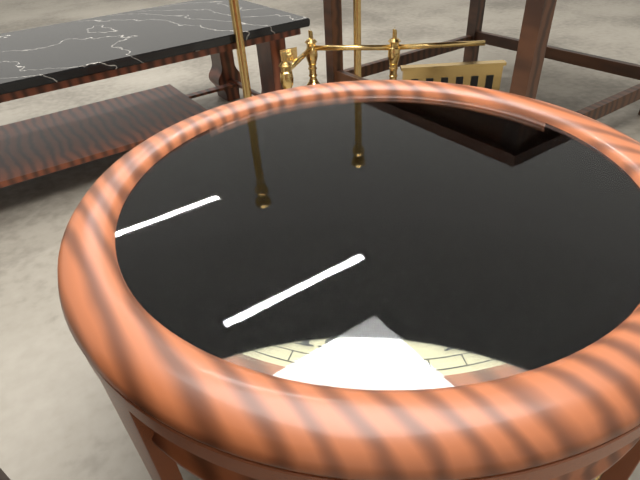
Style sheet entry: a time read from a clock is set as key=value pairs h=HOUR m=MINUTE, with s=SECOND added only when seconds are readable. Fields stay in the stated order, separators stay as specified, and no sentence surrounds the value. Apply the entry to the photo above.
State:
h=5 m=35
